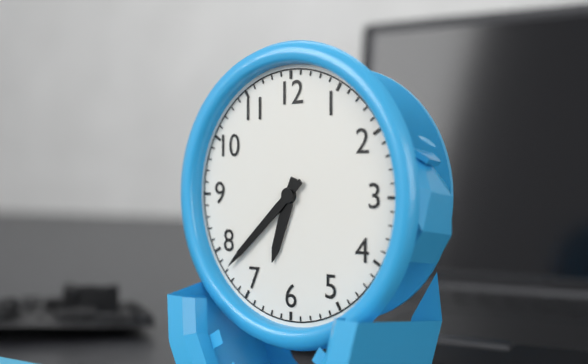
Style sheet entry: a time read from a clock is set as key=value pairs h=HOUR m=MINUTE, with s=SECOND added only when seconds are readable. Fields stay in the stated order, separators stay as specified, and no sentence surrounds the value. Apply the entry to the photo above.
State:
h=6 m=38
